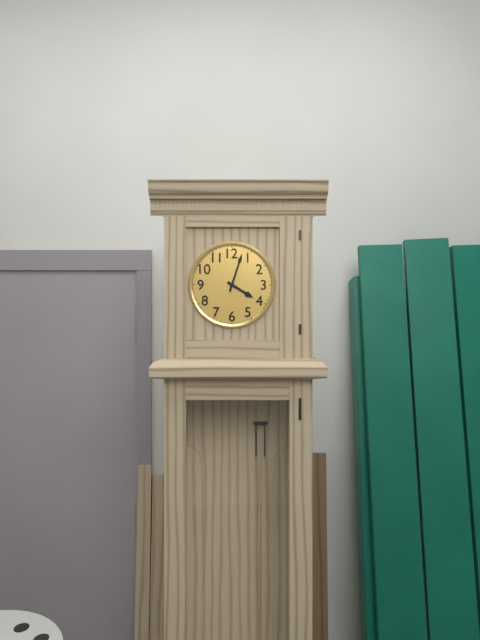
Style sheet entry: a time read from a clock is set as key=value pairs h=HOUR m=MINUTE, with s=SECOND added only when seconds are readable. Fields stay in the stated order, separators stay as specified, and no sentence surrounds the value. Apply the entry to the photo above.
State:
h=4 m=3
